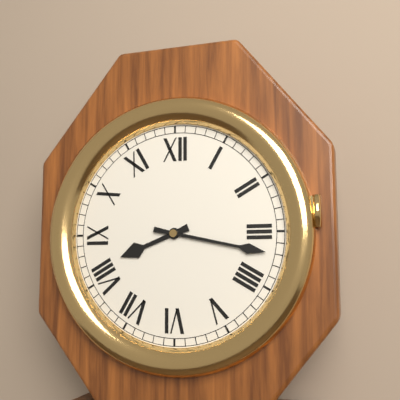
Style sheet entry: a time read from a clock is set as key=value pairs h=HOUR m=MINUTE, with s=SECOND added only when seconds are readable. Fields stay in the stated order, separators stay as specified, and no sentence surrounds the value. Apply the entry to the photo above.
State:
h=8 m=17
